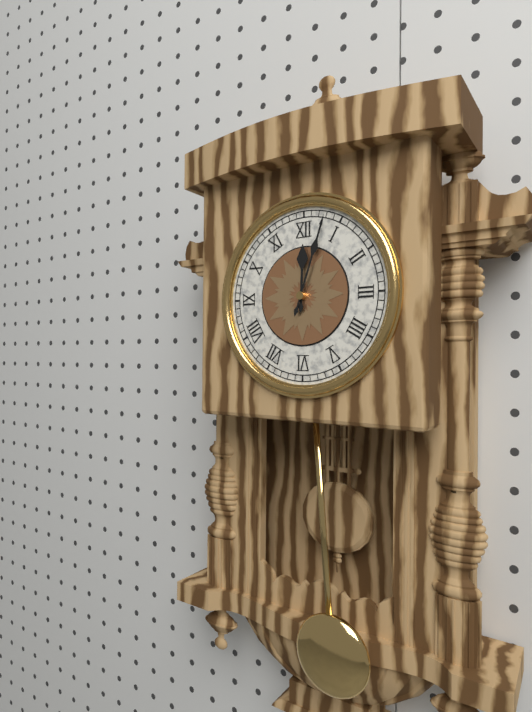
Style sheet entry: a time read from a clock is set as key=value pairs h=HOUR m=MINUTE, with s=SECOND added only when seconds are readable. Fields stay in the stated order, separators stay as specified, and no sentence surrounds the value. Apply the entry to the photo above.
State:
h=12 m=3
